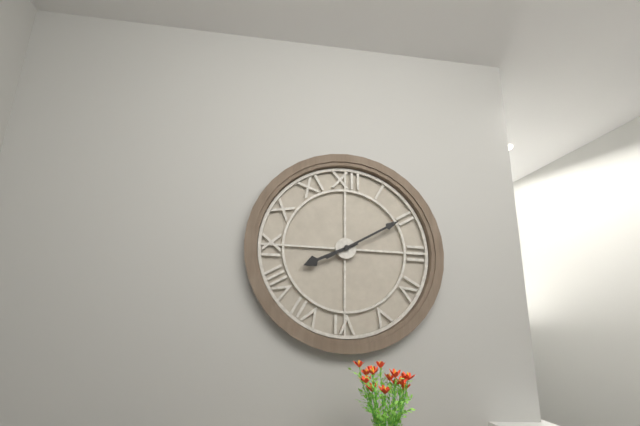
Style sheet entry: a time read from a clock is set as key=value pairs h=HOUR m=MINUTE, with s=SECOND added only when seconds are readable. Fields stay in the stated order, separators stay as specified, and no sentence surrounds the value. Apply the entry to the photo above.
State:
h=8 m=10
